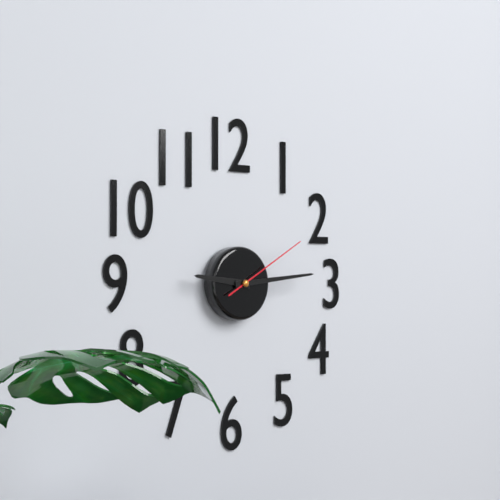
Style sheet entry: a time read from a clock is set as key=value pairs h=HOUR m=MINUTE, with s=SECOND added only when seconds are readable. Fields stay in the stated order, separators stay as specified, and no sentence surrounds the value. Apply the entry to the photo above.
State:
h=9 m=14 s=10
